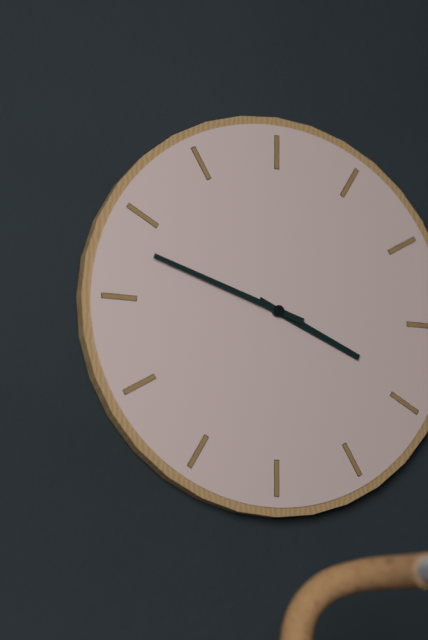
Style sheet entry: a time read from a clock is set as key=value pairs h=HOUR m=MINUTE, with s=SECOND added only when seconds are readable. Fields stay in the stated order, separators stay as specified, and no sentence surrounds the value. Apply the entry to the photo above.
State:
h=3 m=48
